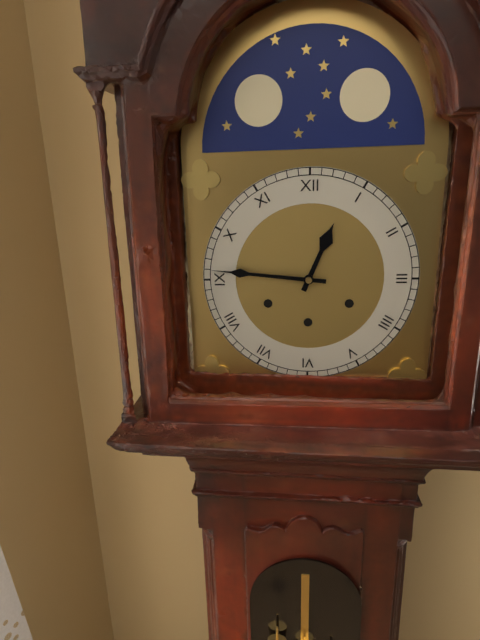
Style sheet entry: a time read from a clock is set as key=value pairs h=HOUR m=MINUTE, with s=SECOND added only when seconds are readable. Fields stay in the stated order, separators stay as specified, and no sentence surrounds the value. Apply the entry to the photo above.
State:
h=12 m=46
